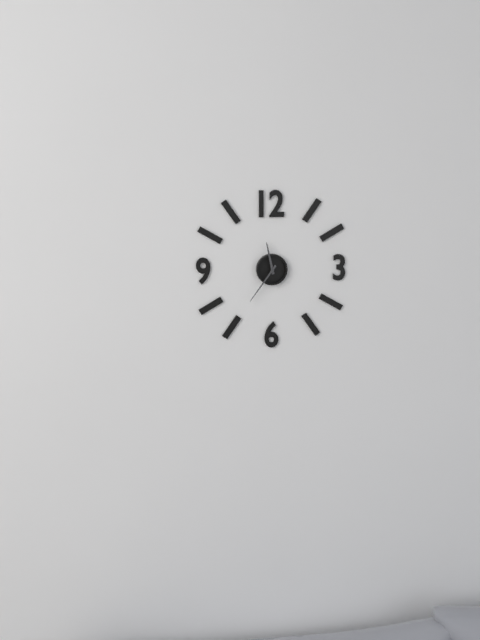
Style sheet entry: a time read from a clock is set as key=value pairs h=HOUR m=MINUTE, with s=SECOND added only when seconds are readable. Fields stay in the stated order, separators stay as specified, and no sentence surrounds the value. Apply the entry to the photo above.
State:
h=11 m=36
